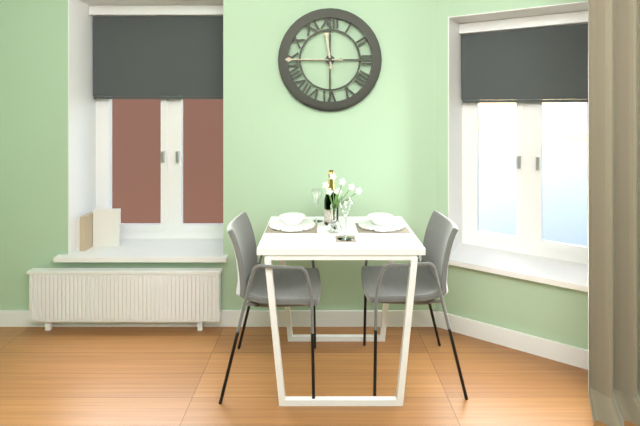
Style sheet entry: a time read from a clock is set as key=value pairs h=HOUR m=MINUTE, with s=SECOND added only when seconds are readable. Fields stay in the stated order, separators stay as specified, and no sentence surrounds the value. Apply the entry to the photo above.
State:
h=11 m=45
